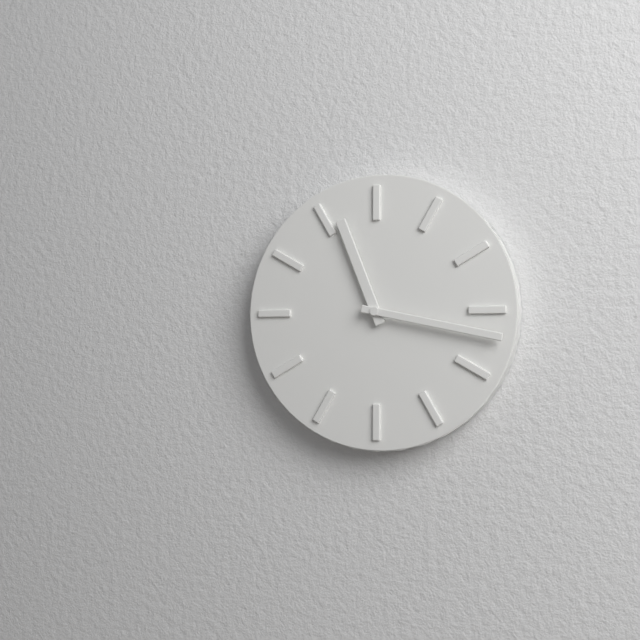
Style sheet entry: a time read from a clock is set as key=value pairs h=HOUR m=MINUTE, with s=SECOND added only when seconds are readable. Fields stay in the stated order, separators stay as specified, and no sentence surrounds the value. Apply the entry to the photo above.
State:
h=11 m=17
